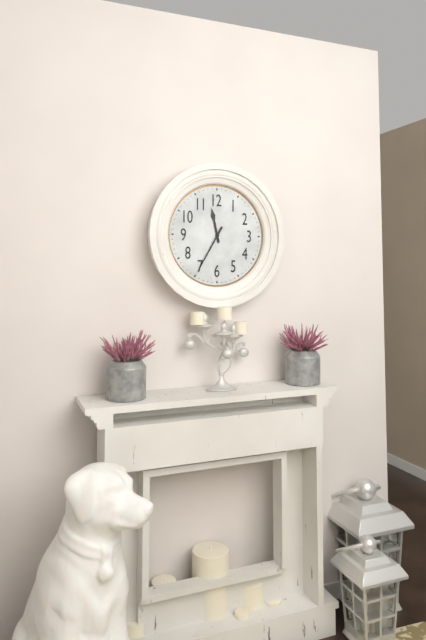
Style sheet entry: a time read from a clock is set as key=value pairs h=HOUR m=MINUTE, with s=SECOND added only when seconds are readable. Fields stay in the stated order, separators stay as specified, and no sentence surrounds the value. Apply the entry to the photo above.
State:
h=11 m=35
